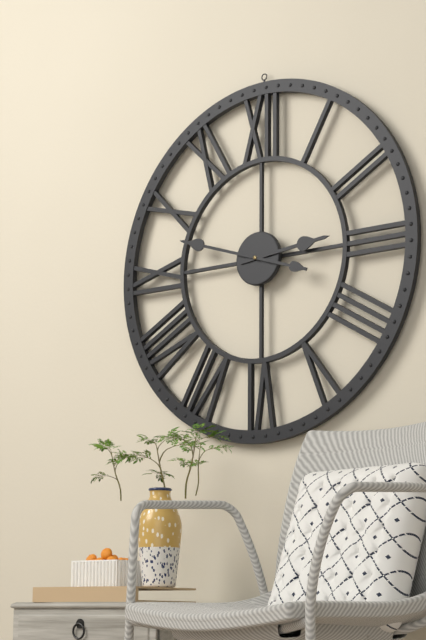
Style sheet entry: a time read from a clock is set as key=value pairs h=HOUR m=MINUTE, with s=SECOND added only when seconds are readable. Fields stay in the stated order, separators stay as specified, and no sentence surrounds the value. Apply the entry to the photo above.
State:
h=2 m=48
